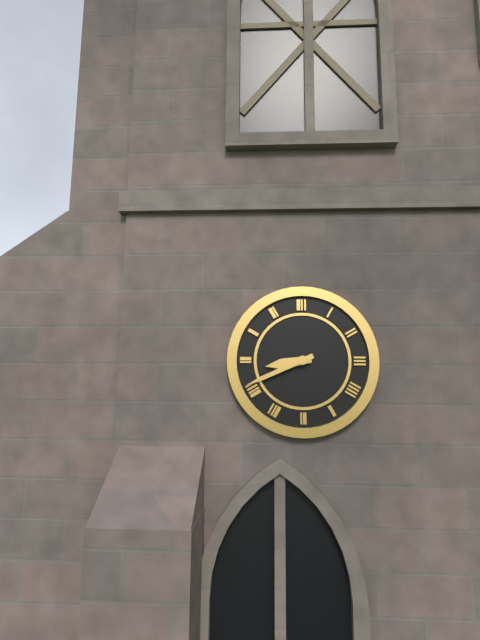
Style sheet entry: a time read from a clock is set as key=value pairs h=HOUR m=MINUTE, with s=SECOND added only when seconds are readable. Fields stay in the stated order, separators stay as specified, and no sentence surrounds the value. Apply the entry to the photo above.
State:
h=8 m=41
